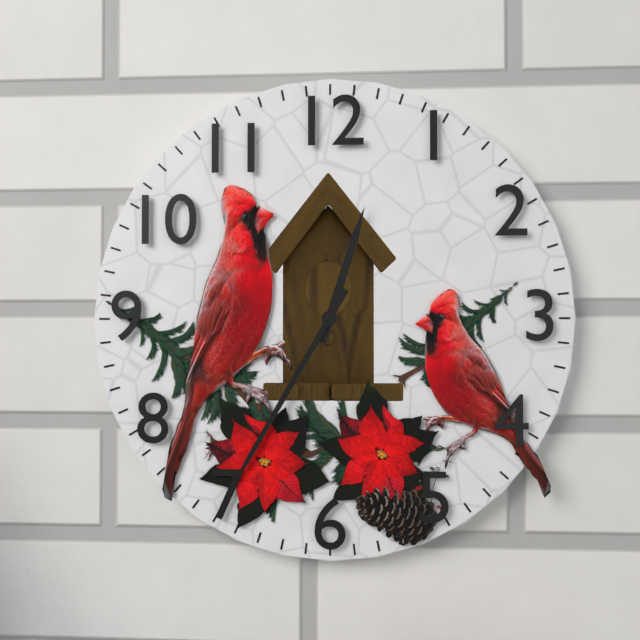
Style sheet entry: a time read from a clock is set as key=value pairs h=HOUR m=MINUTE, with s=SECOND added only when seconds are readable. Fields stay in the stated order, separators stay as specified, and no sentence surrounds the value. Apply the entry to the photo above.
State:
h=12 m=35
